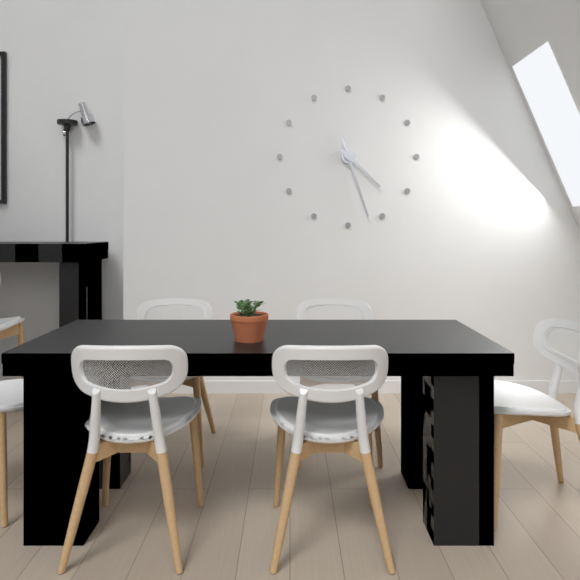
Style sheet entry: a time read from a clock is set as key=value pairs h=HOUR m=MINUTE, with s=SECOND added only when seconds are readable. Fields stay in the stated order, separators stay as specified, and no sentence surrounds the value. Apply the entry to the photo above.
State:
h=4 m=27
